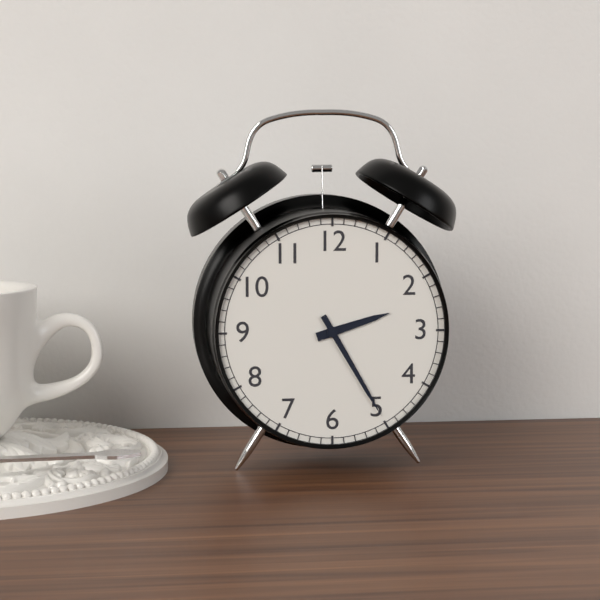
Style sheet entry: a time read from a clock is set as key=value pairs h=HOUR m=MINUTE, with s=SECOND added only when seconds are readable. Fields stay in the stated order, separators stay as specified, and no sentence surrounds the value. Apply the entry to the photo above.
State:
h=2 m=25
